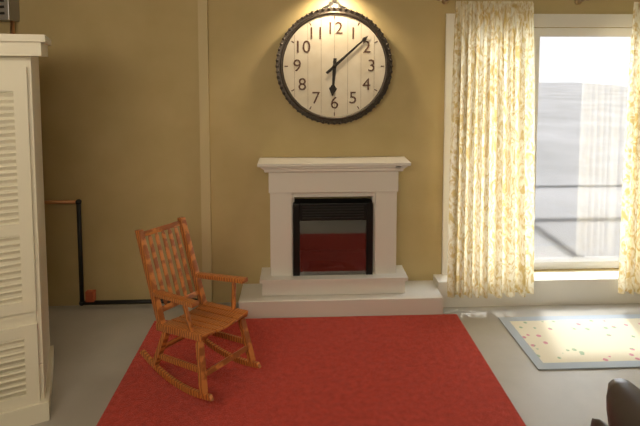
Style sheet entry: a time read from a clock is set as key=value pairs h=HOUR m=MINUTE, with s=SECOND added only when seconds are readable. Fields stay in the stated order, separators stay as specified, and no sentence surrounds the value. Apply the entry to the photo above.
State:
h=6 m=8
